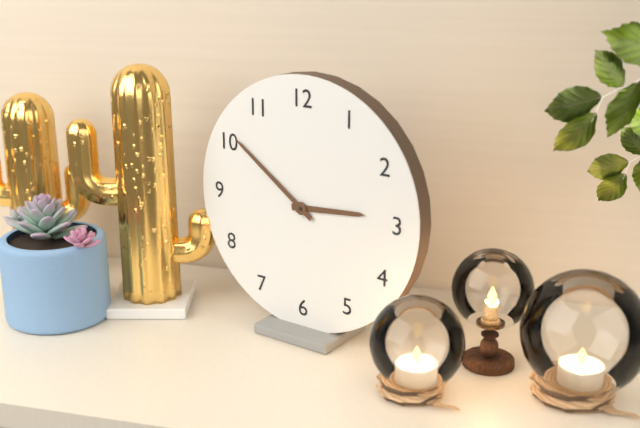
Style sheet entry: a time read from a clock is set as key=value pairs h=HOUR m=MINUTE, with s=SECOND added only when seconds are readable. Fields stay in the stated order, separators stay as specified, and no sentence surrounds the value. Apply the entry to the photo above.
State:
h=2 m=51
